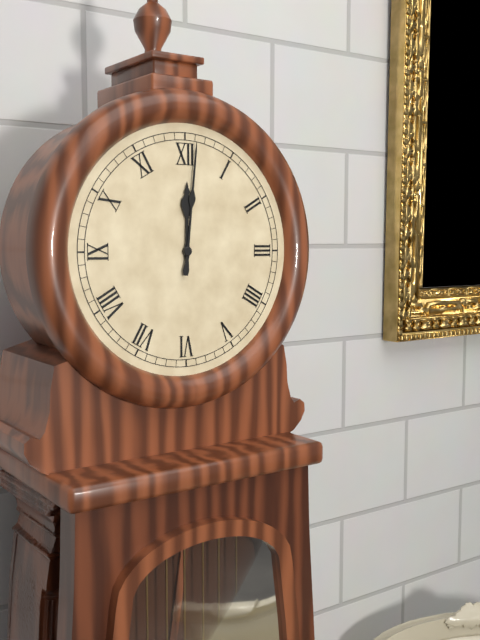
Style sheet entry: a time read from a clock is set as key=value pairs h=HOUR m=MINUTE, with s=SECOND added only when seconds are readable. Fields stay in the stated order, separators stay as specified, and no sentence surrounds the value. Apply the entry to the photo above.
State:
h=12 m=1
